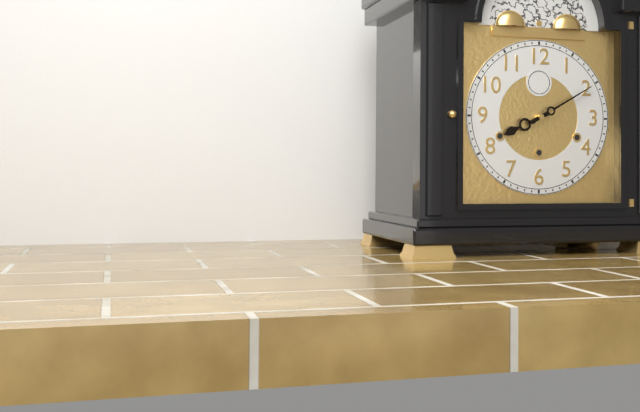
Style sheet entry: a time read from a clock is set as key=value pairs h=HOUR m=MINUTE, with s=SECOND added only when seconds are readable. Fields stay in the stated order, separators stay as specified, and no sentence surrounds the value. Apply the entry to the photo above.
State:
h=8 m=10
